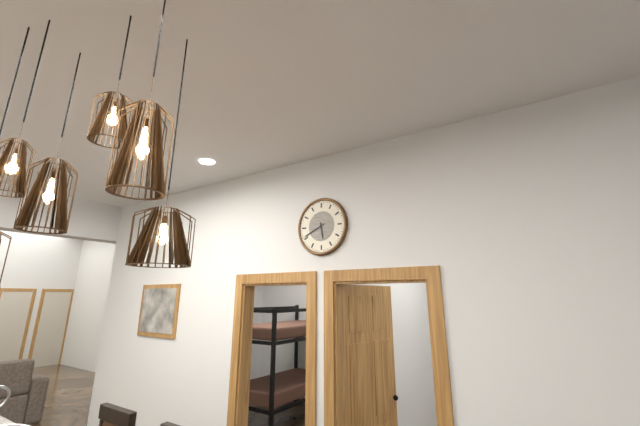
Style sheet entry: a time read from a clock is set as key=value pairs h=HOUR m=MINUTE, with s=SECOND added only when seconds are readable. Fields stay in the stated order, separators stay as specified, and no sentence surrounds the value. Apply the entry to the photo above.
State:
h=5 m=41
